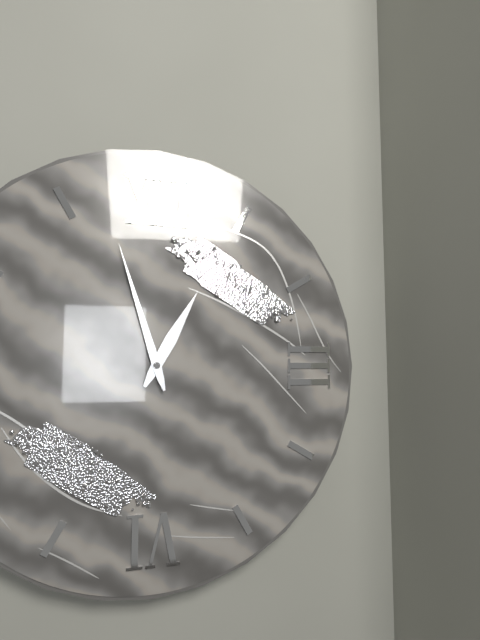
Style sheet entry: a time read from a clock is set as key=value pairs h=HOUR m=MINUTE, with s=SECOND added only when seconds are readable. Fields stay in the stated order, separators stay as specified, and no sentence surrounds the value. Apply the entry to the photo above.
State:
h=12 m=57
